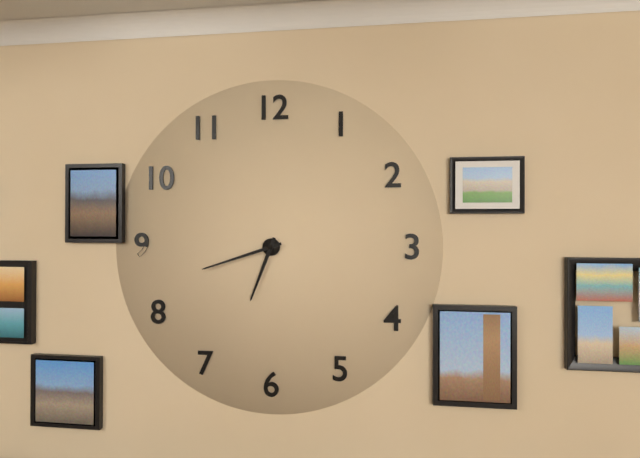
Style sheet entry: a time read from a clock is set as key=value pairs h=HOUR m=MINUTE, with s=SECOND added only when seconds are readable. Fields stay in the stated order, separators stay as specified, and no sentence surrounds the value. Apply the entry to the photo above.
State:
h=6 m=42
